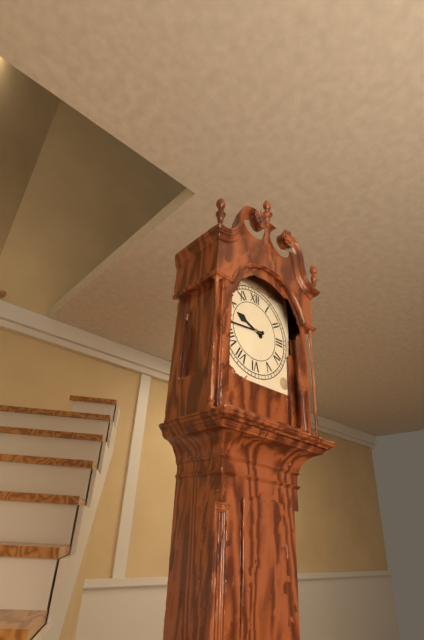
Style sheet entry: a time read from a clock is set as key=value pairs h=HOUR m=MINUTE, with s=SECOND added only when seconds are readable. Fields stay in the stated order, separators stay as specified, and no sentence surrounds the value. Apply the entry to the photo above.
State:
h=9 m=44
